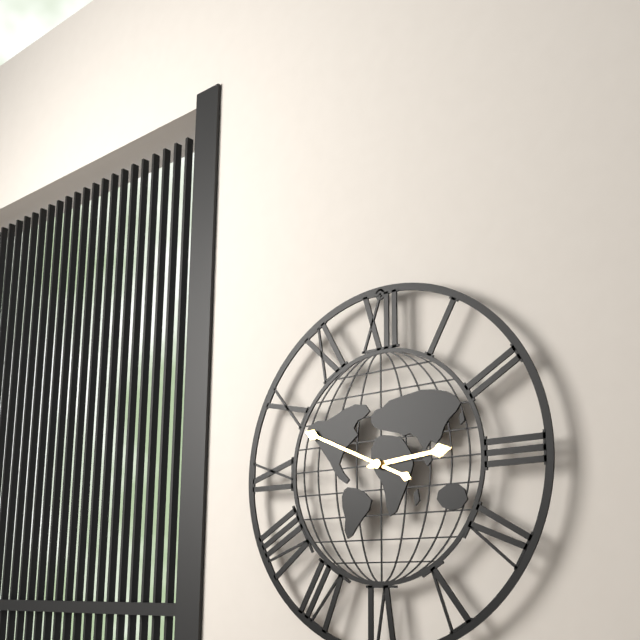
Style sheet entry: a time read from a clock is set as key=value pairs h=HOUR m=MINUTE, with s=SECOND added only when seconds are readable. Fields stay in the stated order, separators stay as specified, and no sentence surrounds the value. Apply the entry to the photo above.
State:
h=2 m=49
